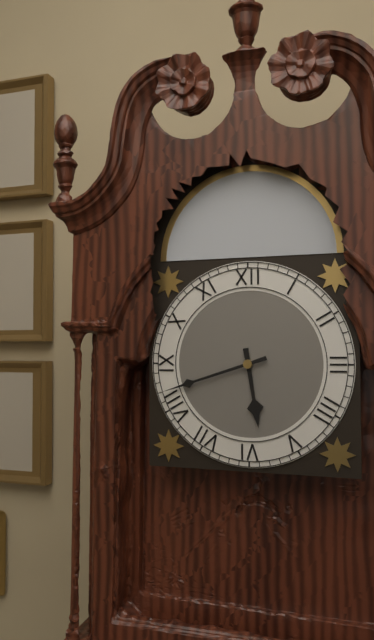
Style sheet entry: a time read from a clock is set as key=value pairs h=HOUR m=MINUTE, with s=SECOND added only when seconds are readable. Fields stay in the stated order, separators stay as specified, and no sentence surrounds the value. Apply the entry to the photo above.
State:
h=5 m=42
